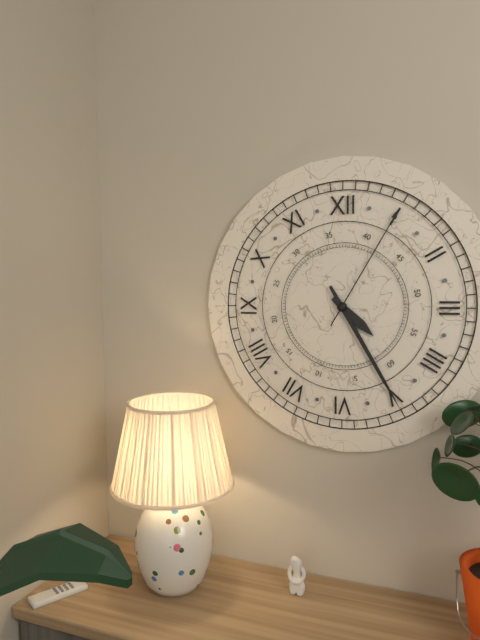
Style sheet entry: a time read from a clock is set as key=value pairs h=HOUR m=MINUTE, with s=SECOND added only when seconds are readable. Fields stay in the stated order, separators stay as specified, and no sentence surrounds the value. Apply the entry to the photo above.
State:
h=4 m=25 s=5
